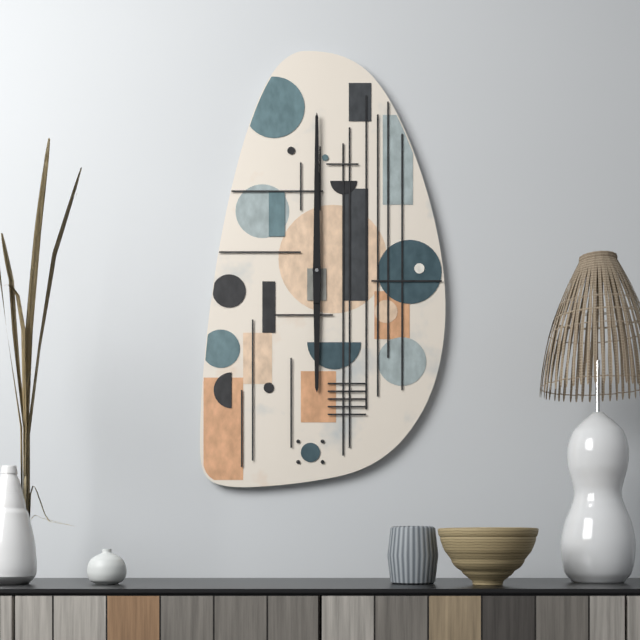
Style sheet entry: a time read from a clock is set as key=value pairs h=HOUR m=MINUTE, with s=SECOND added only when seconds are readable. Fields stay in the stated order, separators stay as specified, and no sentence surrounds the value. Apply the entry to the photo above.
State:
h=6 m=0
